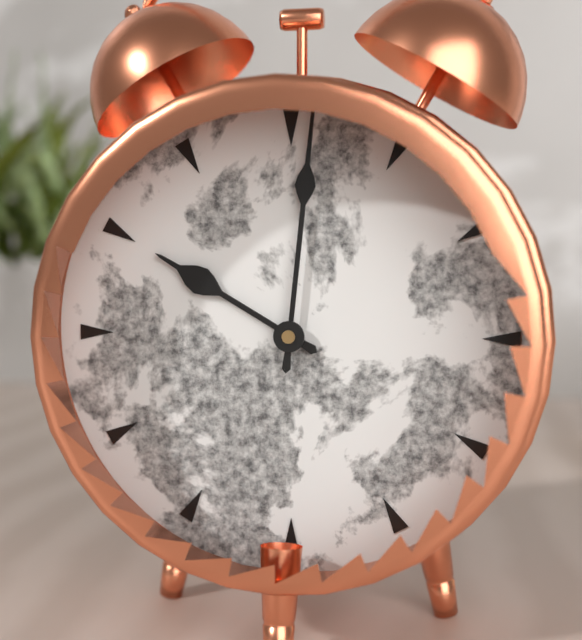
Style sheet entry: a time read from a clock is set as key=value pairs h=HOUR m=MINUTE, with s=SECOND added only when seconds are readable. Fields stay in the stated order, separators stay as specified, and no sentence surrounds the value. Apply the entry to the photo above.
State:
h=10 m=1
